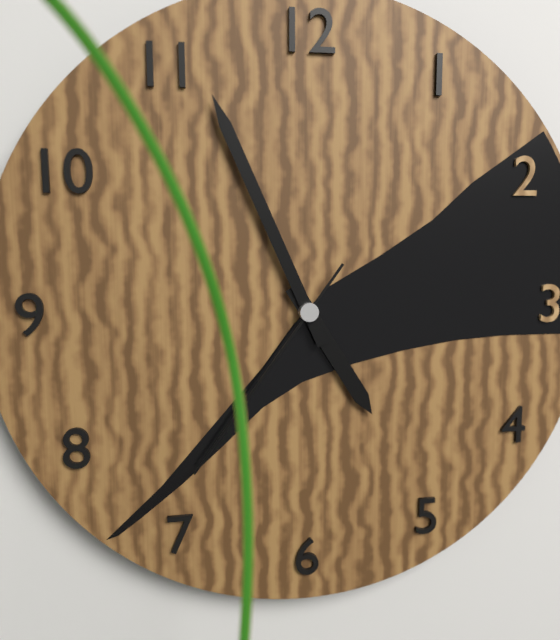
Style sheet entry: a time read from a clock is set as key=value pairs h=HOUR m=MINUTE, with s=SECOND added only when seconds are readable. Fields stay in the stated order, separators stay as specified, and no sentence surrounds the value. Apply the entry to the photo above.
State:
h=4 m=56 s=36
